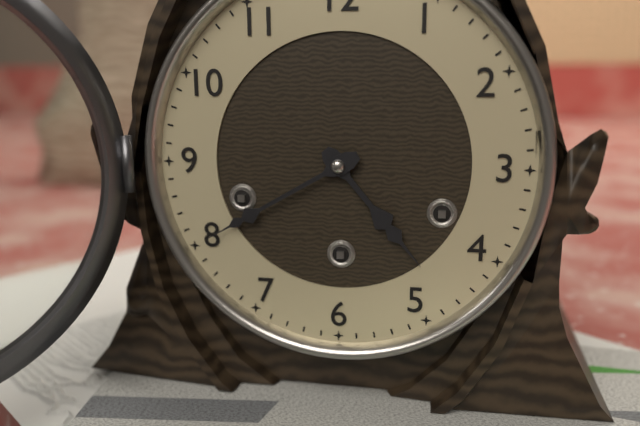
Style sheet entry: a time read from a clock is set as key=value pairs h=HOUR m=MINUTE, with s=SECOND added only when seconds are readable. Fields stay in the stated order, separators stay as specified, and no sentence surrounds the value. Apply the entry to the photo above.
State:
h=4 m=40
